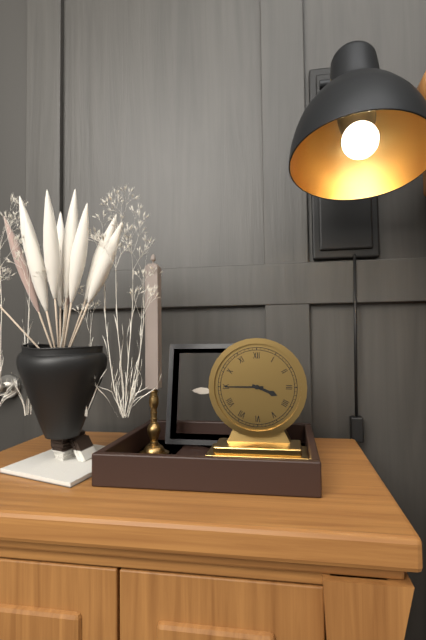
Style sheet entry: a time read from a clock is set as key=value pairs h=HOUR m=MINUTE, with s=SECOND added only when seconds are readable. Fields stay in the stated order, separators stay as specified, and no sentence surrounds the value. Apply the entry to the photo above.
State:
h=3 m=45
